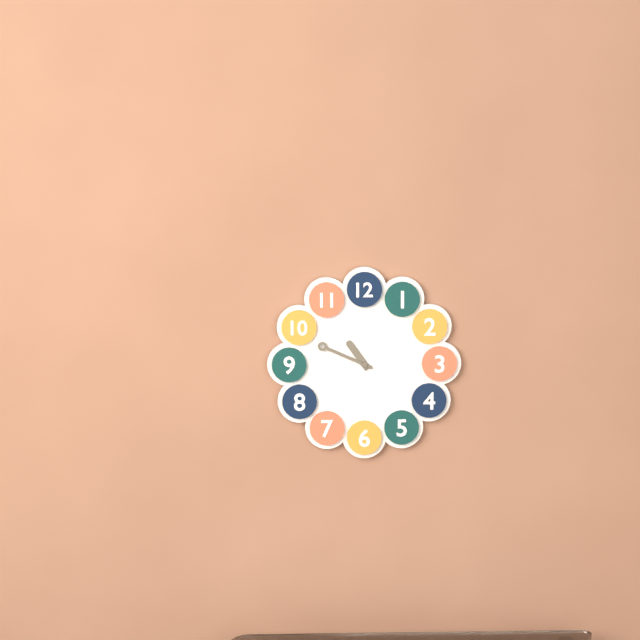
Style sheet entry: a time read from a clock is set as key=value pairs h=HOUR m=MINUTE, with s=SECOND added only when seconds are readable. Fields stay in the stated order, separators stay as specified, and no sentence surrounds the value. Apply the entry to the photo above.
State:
h=10 m=49
